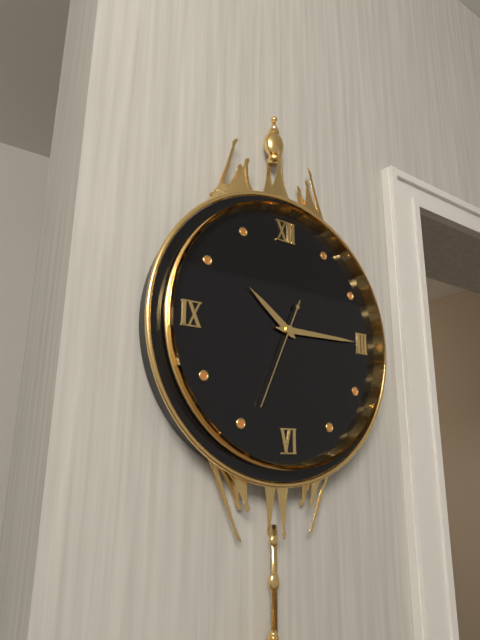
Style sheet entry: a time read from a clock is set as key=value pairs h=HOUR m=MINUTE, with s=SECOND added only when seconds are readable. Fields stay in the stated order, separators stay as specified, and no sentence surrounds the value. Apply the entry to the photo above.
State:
h=10 m=15 s=34
